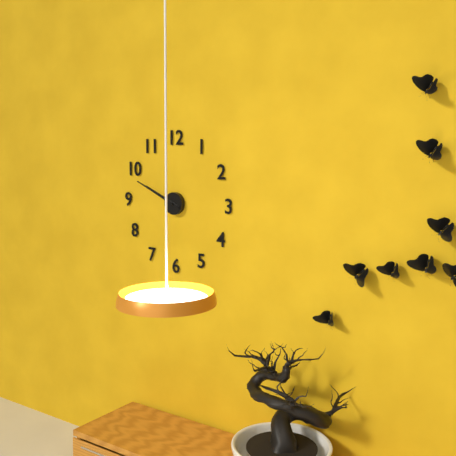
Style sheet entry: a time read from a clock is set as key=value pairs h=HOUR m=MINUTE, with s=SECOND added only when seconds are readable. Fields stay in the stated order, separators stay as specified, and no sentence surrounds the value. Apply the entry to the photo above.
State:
h=9 m=49
